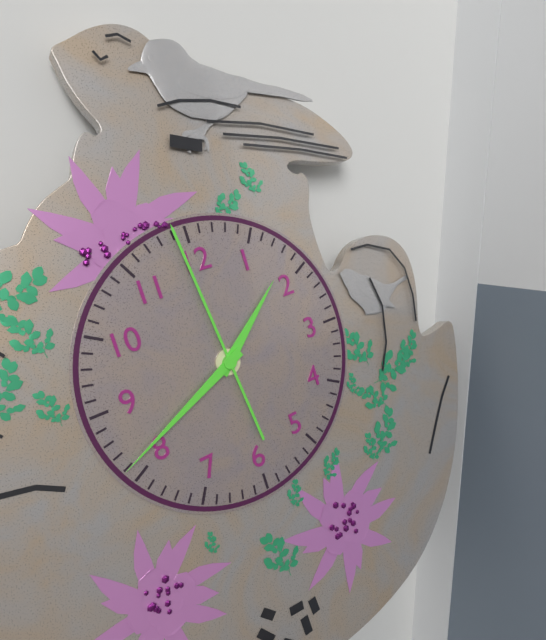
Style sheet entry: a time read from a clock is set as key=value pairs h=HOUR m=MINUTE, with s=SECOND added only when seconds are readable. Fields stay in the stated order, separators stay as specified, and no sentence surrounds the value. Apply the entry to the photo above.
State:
h=1 m=41 s=59
